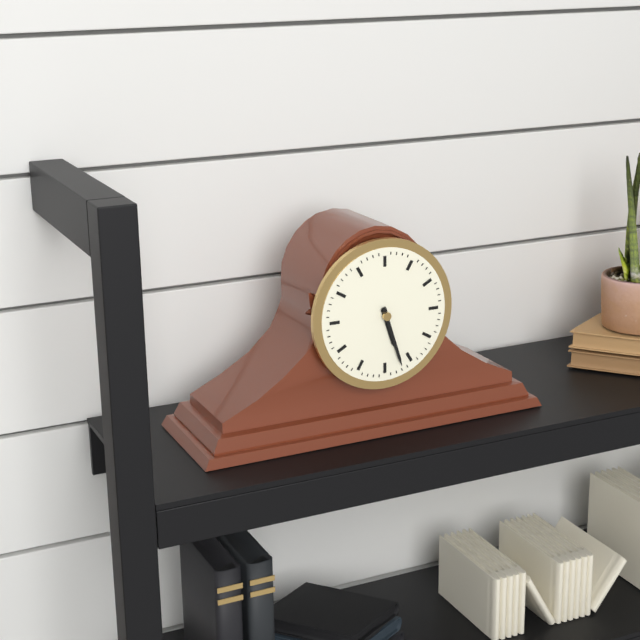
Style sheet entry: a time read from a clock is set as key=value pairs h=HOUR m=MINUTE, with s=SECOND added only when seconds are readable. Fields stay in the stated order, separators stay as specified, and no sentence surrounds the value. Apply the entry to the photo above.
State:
h=5 m=27
